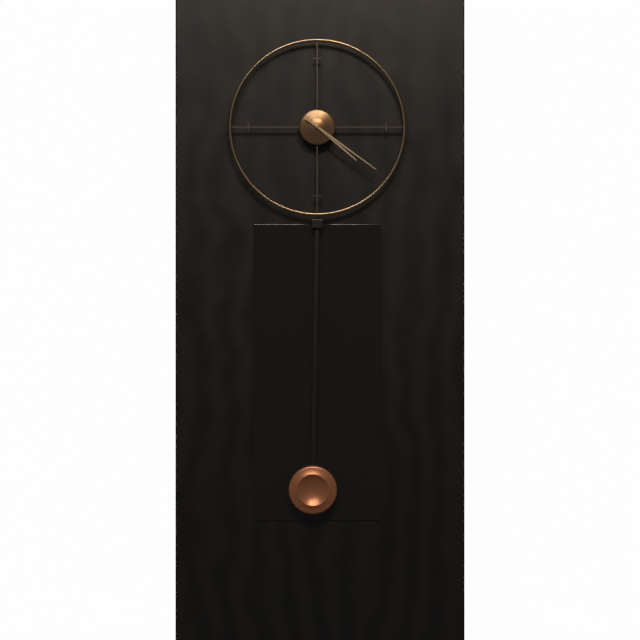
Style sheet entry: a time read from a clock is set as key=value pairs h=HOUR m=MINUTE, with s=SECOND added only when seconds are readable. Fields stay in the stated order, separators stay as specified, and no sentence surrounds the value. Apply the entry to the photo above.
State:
h=4 m=21
